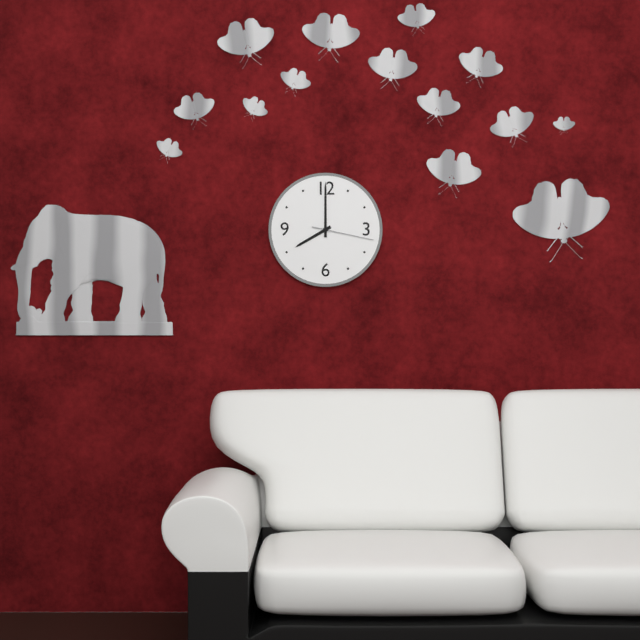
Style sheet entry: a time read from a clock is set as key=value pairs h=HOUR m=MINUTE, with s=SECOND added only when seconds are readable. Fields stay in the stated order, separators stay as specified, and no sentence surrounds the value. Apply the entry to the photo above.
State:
h=8 m=0 s=17
